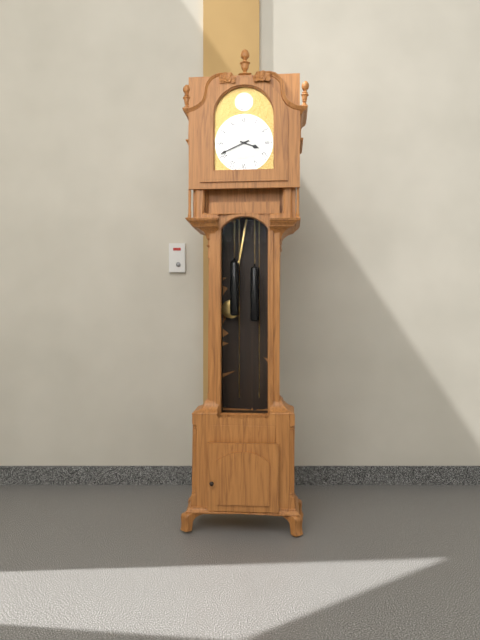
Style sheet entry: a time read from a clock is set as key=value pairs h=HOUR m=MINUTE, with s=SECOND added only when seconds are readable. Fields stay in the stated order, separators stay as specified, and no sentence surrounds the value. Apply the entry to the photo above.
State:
h=3 m=41
